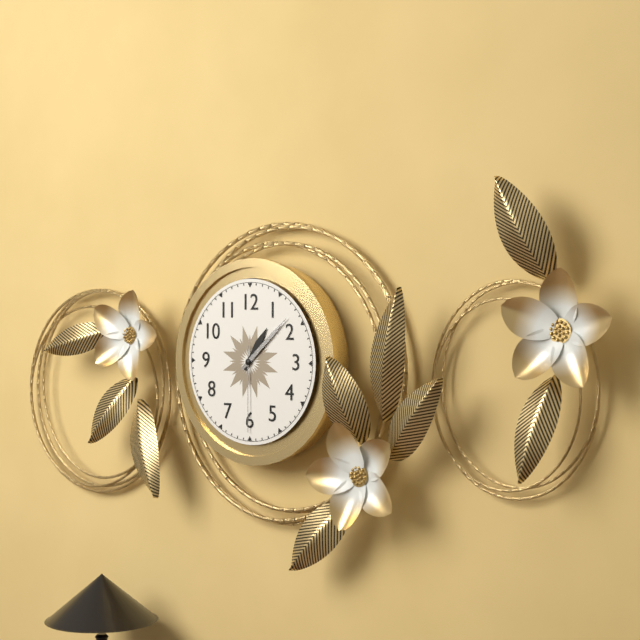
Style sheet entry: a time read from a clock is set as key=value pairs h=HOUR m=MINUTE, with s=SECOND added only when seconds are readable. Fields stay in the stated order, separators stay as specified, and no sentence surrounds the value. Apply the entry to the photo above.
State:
h=1 m=8 s=30
